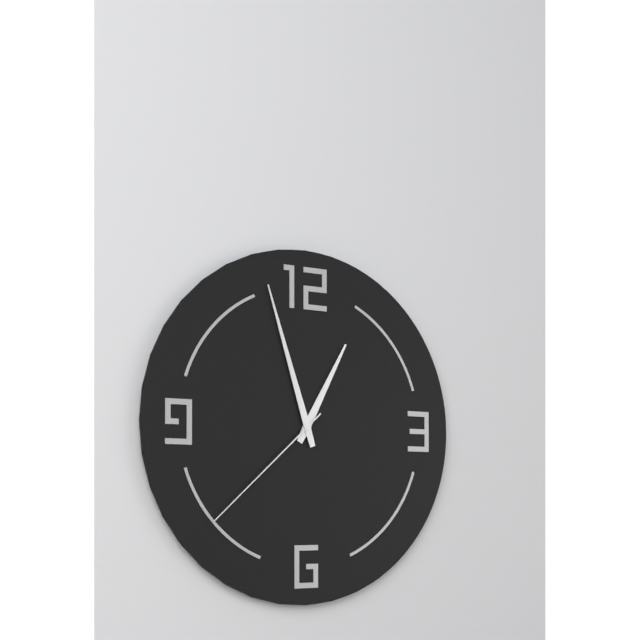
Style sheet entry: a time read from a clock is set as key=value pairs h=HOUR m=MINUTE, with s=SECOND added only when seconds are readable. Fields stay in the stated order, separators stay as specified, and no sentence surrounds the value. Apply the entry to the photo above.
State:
h=12 m=57 s=38
